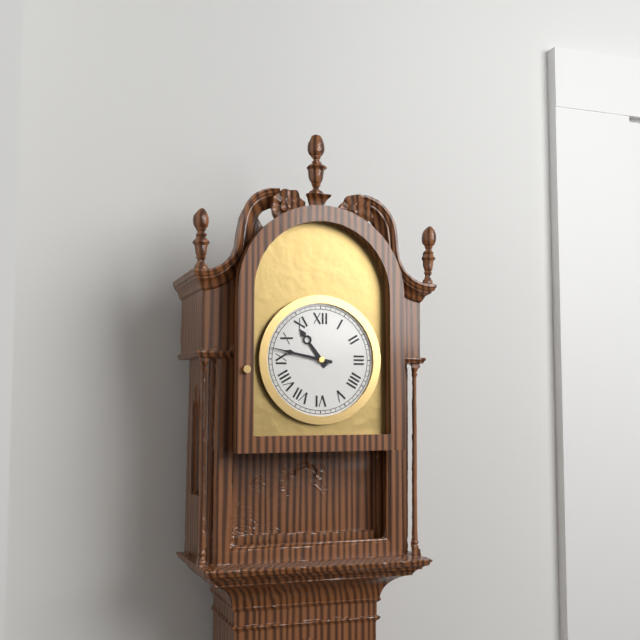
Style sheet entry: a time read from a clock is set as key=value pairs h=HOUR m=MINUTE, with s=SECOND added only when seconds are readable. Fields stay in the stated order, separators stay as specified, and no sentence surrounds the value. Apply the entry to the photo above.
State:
h=10 m=47
